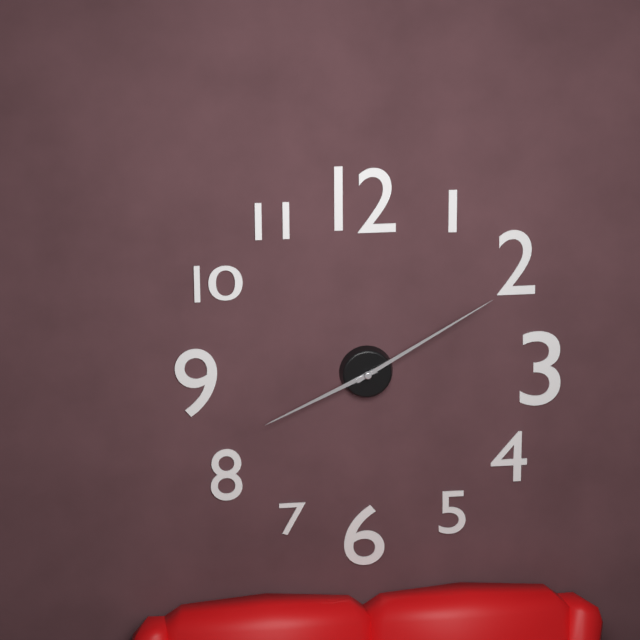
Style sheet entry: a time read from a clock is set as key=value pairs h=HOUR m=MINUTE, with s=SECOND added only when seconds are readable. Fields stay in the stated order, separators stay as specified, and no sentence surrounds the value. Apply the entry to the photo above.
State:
h=8 m=10
